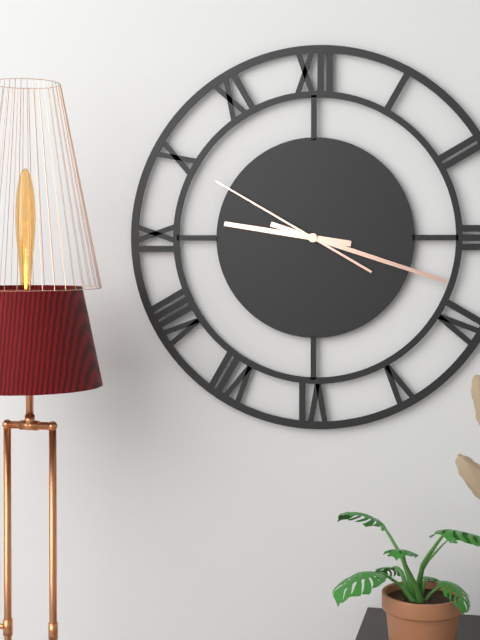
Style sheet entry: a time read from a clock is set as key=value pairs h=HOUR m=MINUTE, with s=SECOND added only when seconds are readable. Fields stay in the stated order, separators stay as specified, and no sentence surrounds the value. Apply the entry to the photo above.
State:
h=9 m=18 s=50
